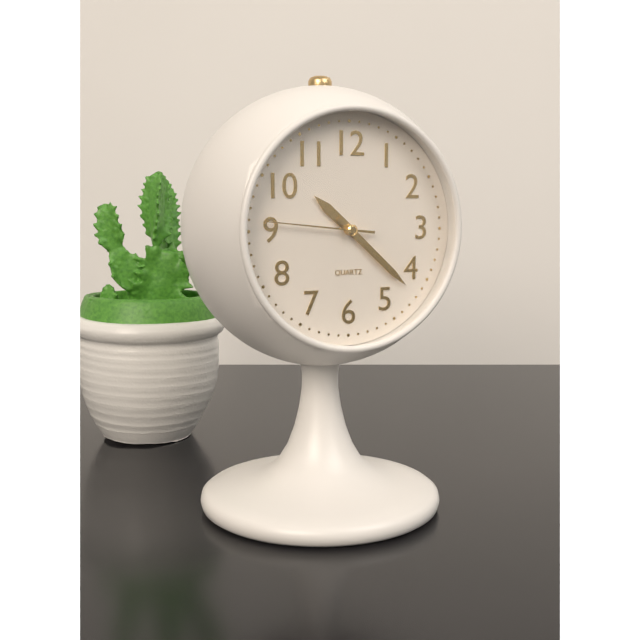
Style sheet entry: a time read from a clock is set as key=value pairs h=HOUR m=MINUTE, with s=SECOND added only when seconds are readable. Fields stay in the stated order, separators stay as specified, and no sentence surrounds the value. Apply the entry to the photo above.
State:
h=10 m=22 s=46
